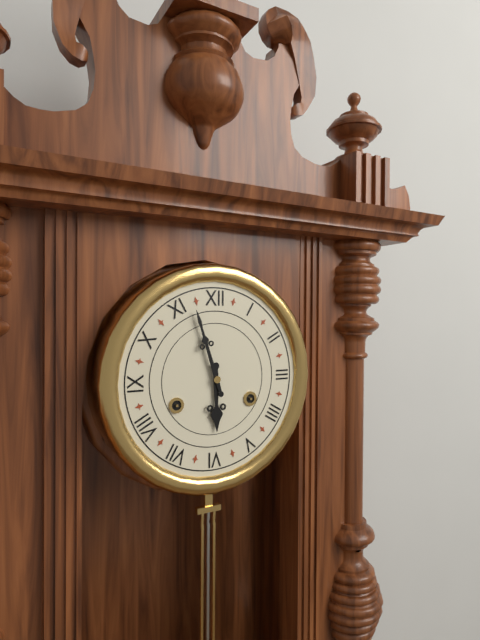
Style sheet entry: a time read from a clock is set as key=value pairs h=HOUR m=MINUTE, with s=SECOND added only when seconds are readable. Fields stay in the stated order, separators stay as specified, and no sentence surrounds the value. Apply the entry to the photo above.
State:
h=5 m=57
